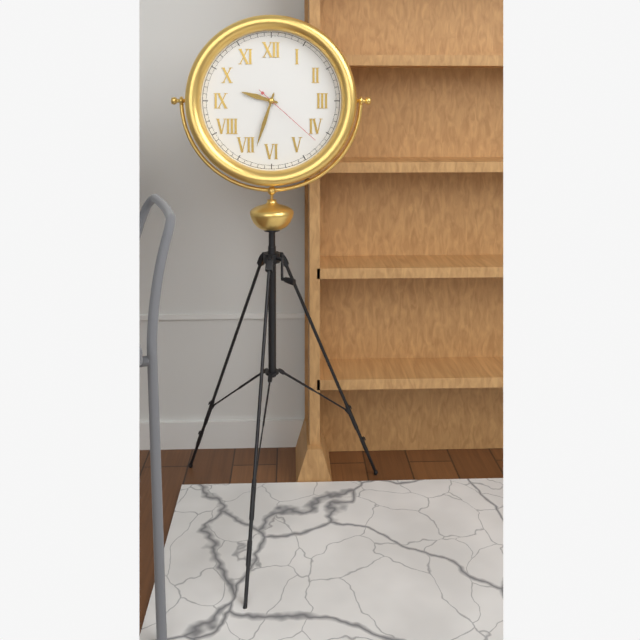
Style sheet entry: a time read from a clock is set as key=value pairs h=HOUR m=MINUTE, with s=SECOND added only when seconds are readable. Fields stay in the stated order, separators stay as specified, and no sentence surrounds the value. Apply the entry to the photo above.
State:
h=9 m=33 s=22
